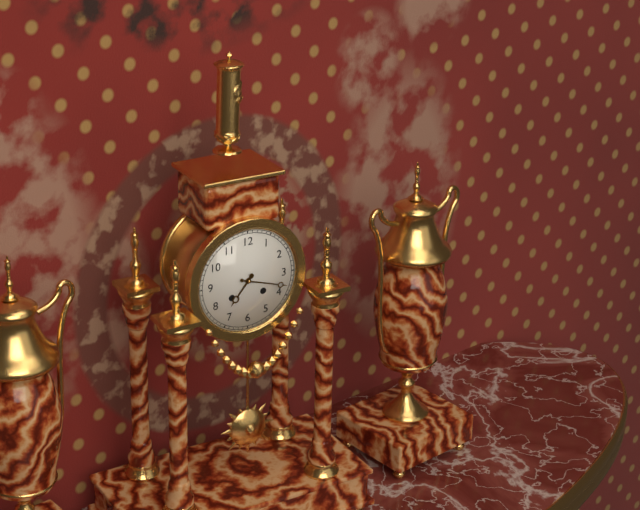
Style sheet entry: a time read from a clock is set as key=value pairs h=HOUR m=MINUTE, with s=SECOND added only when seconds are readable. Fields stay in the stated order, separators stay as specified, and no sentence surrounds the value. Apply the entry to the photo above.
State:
h=7 m=18
